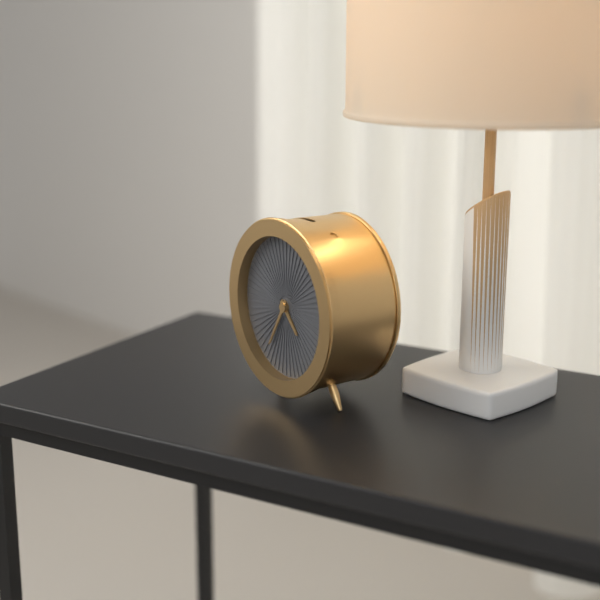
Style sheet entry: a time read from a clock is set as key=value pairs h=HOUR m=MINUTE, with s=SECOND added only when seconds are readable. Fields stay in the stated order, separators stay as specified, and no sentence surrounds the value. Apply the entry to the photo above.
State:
h=4 m=35
